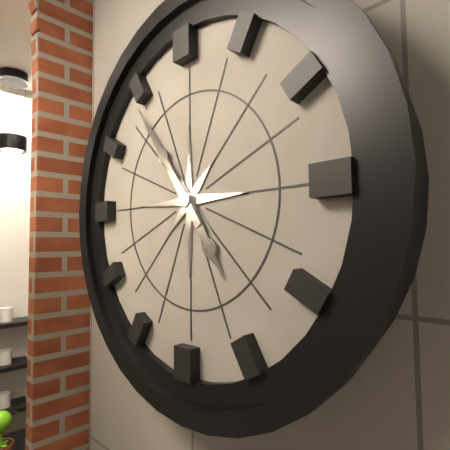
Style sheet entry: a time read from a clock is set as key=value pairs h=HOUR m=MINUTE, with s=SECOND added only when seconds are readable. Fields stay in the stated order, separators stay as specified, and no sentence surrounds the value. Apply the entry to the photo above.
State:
h=4 m=54
